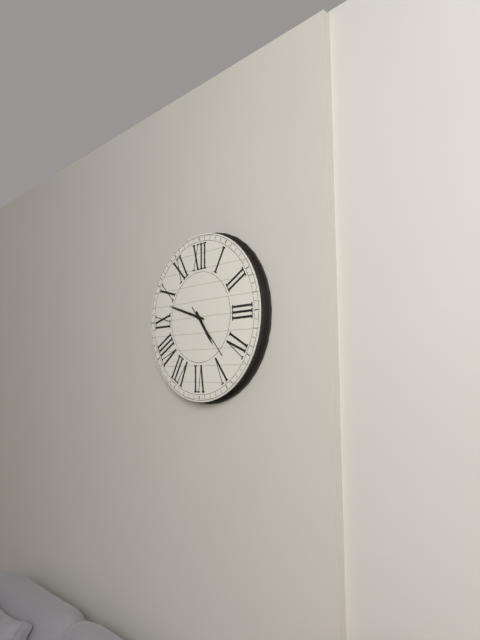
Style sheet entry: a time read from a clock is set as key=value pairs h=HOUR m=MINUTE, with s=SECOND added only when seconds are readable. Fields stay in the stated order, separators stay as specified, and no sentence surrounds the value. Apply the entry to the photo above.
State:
h=4 m=48 s=23
